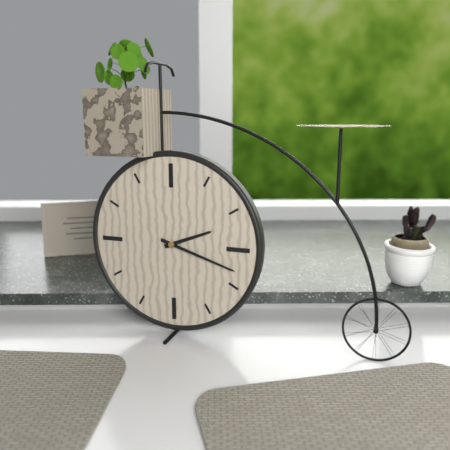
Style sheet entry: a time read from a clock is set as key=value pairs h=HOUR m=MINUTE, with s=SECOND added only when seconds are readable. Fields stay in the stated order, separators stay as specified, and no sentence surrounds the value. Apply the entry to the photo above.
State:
h=2 m=18
